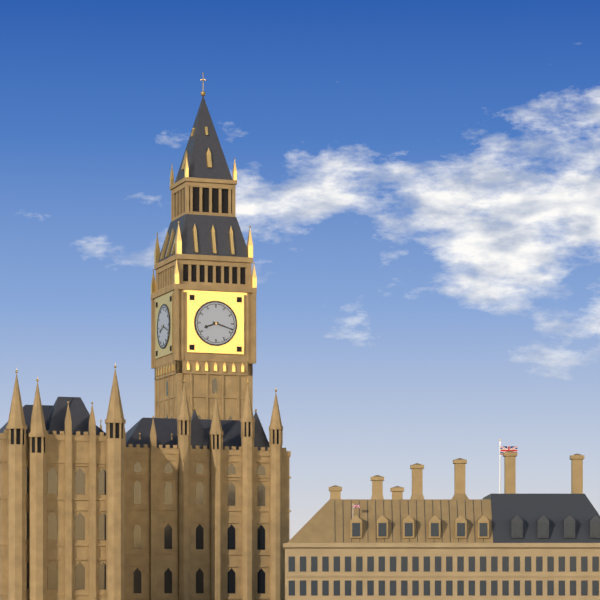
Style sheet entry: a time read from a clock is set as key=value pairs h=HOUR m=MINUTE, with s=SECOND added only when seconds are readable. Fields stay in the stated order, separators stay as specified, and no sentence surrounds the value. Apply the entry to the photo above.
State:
h=8 m=18
